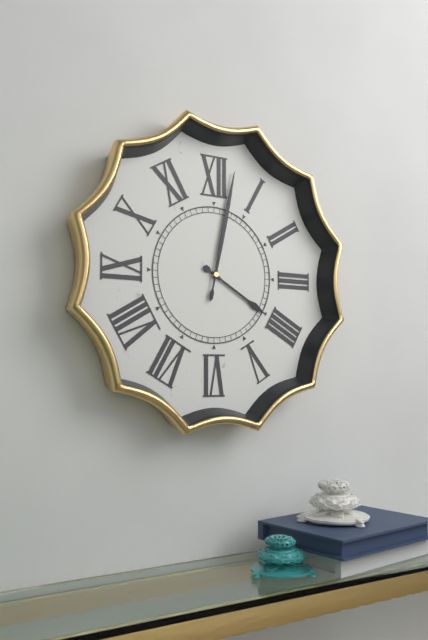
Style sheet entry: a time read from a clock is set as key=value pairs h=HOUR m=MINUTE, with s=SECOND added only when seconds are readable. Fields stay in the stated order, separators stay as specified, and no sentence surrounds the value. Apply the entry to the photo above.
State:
h=4 m=2
